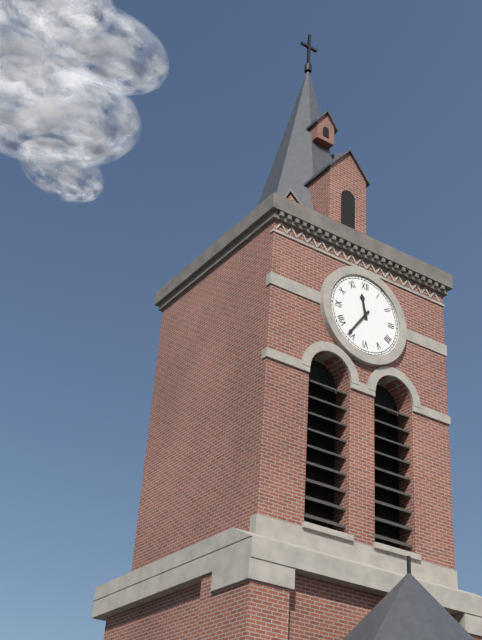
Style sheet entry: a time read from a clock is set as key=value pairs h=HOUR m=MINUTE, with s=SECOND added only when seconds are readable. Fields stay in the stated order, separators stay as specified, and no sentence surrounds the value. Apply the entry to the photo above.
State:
h=11 m=36
